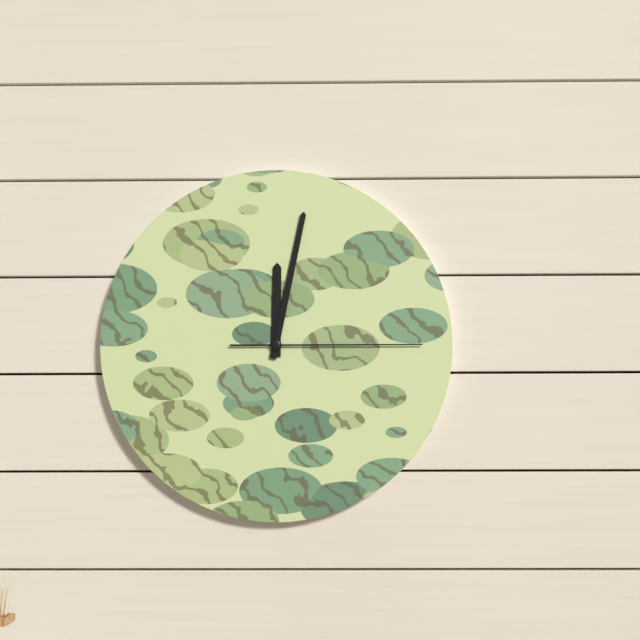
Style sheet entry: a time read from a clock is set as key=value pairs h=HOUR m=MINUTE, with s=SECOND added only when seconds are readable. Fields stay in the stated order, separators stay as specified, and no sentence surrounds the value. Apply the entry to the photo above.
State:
h=12 m=2 s=15
